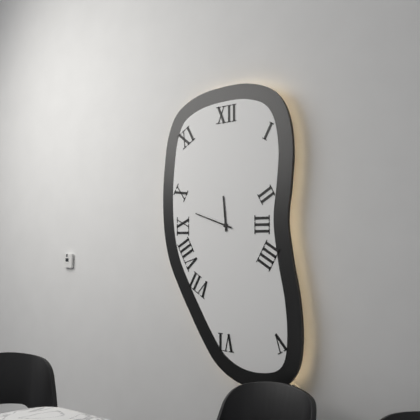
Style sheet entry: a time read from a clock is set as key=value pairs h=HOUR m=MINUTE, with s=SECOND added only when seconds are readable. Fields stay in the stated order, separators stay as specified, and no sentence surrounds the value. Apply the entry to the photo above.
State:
h=11 m=48
